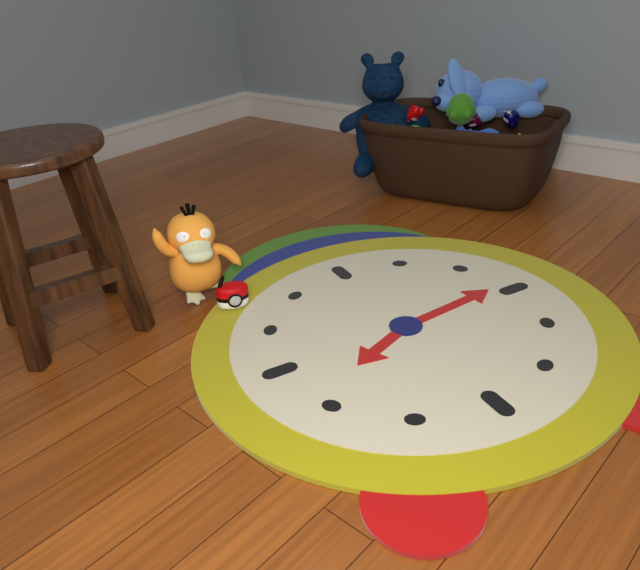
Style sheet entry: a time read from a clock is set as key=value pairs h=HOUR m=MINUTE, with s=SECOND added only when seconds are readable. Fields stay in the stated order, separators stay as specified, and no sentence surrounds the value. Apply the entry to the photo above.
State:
h=8 m=14
